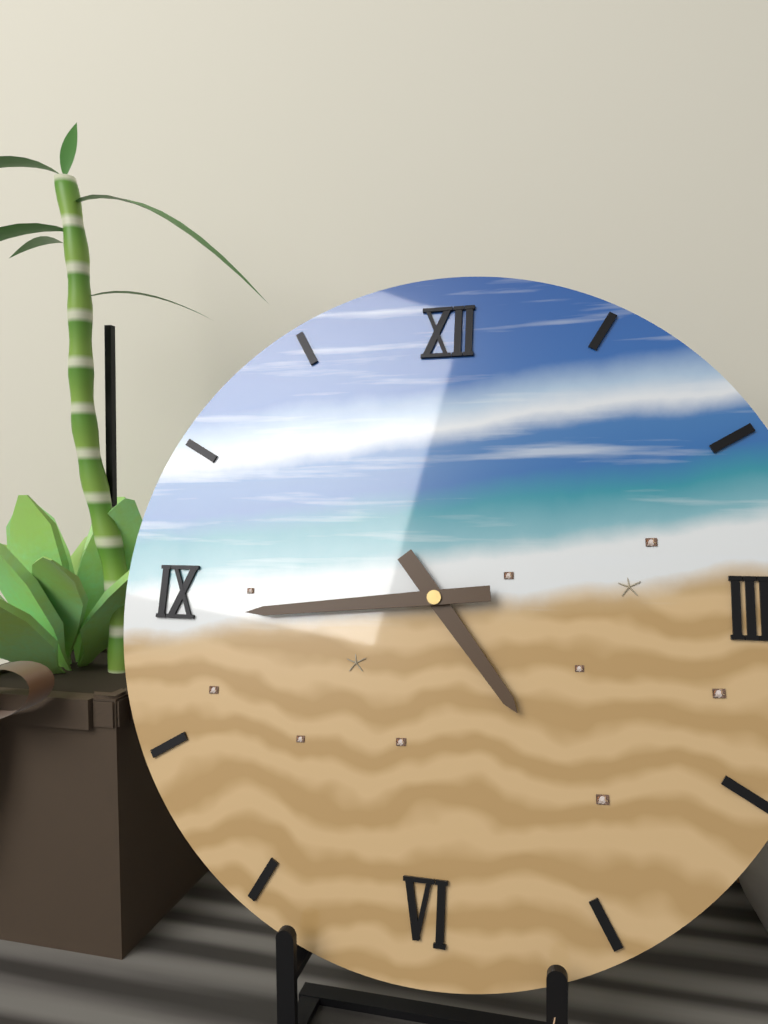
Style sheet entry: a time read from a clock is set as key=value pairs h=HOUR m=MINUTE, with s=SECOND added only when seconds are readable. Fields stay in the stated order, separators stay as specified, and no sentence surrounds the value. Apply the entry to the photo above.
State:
h=4 m=44
